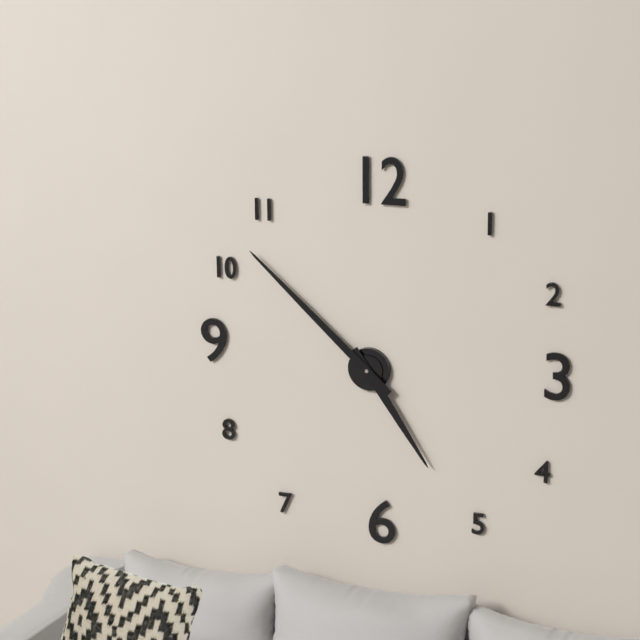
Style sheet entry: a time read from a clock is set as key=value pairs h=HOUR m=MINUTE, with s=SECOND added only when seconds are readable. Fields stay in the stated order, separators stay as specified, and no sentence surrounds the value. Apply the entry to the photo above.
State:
h=4 m=52
